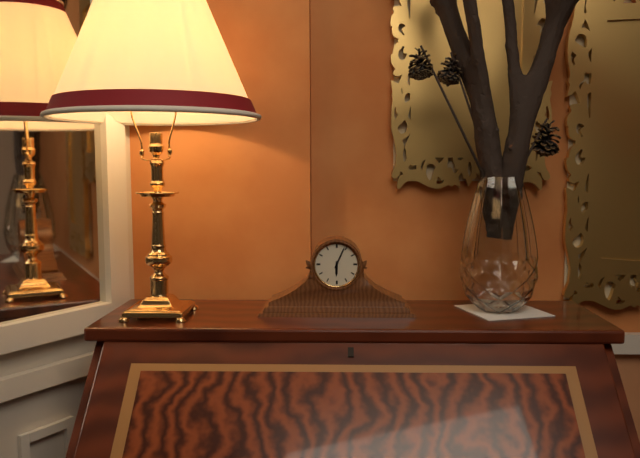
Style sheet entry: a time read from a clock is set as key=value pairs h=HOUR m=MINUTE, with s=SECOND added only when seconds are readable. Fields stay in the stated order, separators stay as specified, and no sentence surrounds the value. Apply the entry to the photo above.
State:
h=6 m=4
